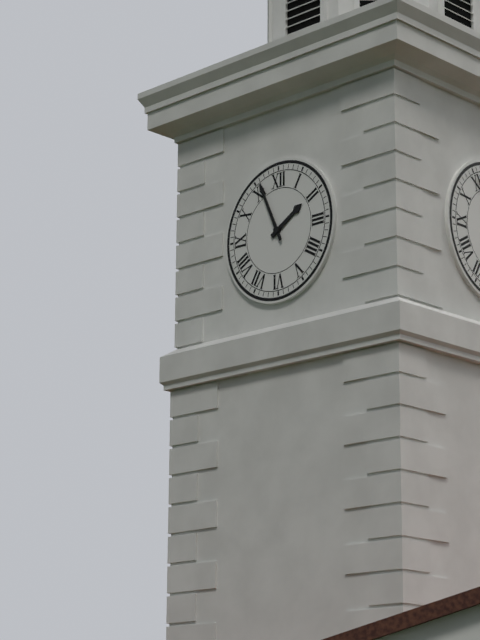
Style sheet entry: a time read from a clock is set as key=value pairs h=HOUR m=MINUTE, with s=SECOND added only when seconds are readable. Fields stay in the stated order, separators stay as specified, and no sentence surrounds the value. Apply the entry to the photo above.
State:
h=1 m=56
